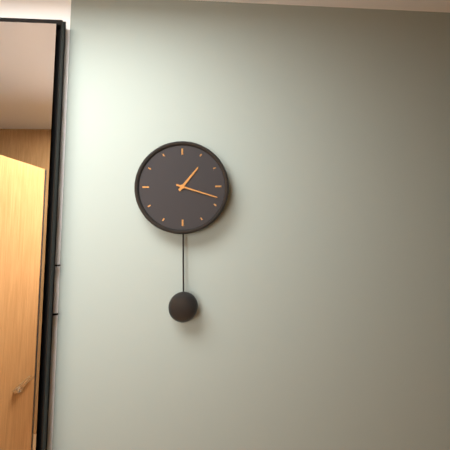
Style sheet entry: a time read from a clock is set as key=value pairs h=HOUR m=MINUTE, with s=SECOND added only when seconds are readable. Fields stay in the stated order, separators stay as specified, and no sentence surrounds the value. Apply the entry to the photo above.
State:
h=1 m=18
